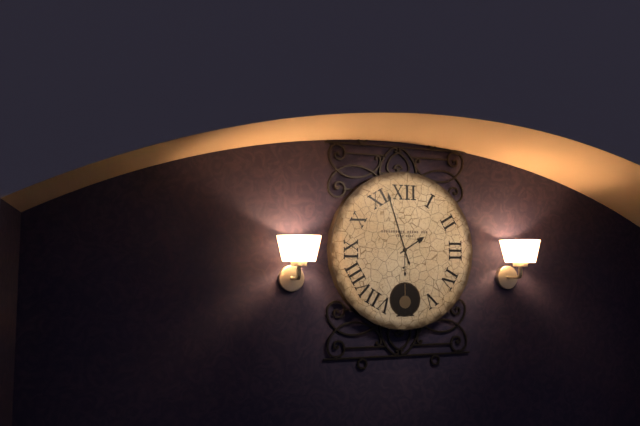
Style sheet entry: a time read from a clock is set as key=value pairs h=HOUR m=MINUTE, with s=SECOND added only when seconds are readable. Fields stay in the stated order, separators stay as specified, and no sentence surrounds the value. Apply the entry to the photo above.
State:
h=1 m=57
